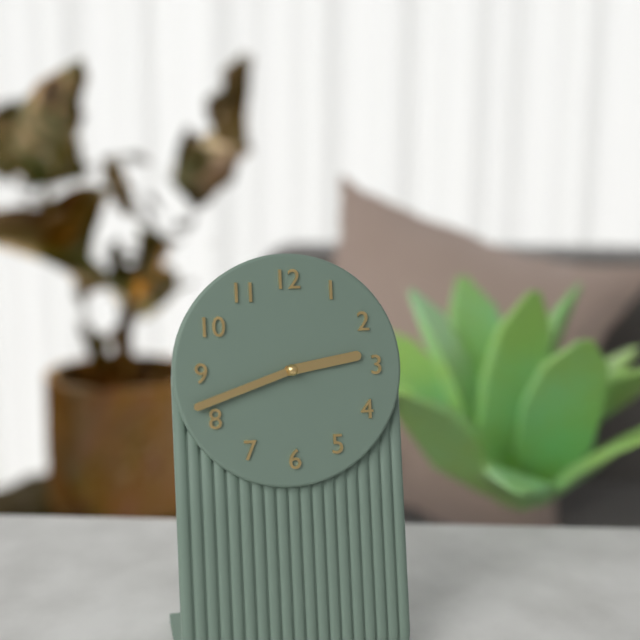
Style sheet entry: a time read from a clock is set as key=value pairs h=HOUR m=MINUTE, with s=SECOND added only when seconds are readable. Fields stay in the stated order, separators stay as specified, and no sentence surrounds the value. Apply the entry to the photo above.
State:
h=2 m=42
